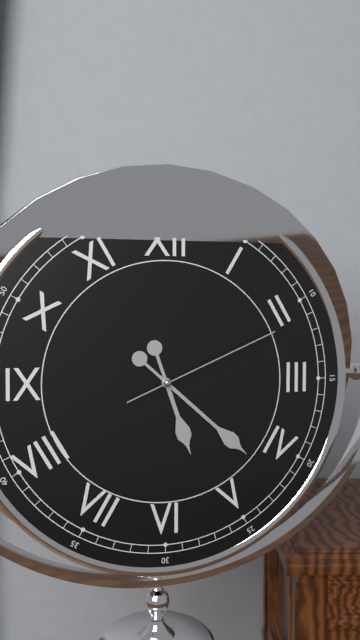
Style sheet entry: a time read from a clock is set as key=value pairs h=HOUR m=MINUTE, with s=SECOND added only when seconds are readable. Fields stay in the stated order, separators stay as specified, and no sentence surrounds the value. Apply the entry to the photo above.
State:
h=5 m=22 s=11
